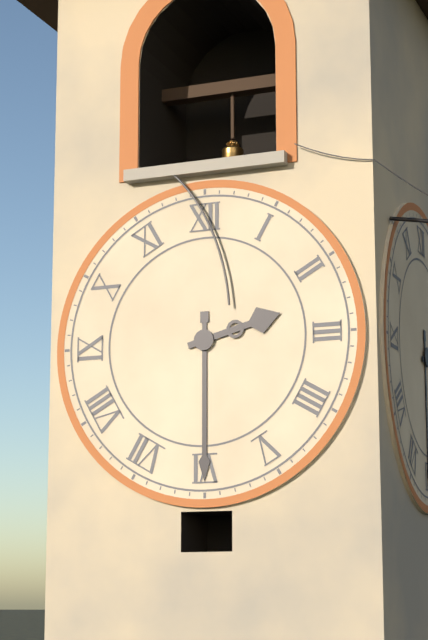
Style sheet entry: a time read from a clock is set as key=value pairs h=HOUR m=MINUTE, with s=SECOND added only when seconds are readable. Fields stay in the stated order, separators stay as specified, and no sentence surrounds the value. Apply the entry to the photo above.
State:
h=2 m=30
